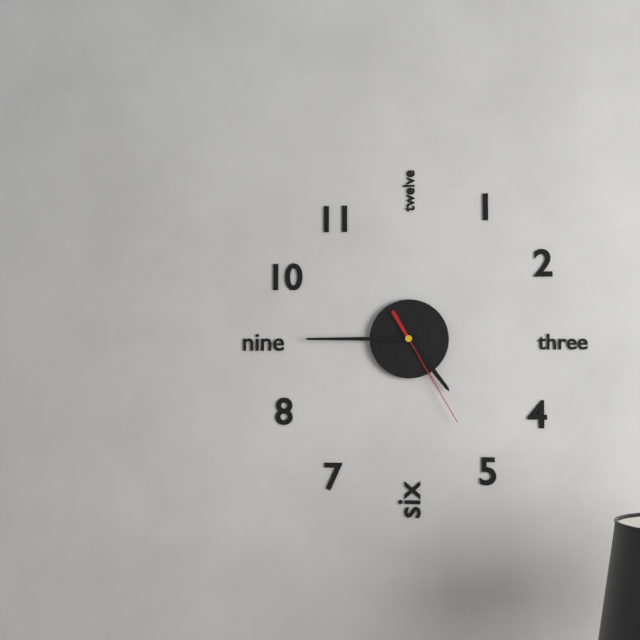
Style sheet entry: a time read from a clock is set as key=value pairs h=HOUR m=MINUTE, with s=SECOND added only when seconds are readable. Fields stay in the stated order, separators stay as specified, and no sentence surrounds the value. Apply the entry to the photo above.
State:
h=4 m=45 s=25
